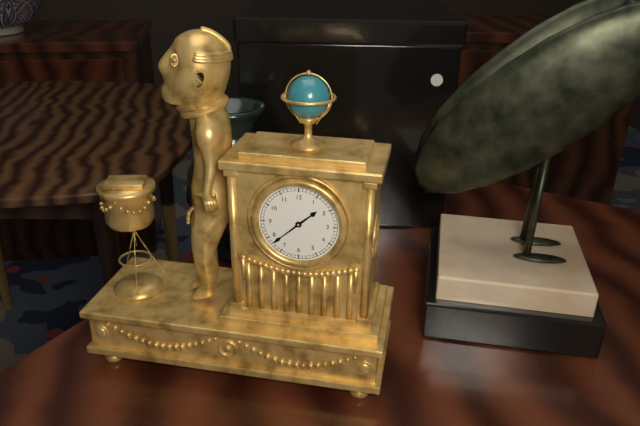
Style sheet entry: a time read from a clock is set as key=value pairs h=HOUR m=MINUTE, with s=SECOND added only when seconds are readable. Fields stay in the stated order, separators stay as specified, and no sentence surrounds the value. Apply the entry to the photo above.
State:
h=1 m=38
